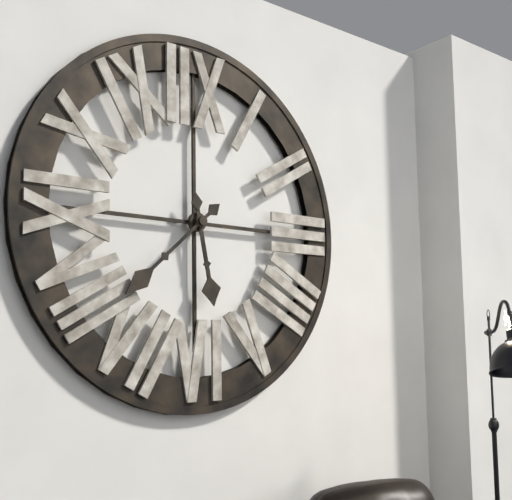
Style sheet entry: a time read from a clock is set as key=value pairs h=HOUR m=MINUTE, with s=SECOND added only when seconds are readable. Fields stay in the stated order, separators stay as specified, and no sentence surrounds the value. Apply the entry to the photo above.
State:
h=5 m=38
